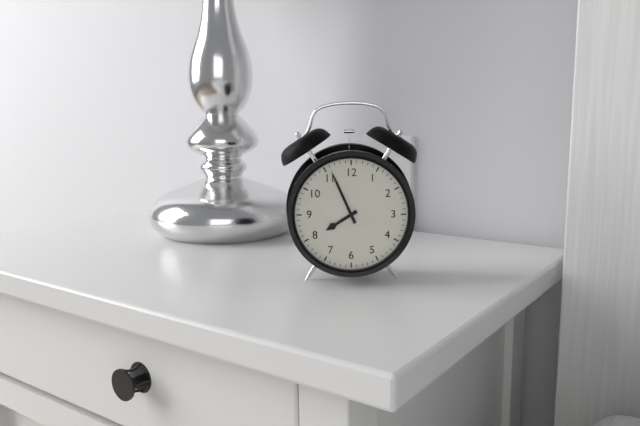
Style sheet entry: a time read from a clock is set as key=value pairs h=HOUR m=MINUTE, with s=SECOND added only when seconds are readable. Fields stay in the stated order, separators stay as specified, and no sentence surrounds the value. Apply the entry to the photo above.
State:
h=7 m=56
